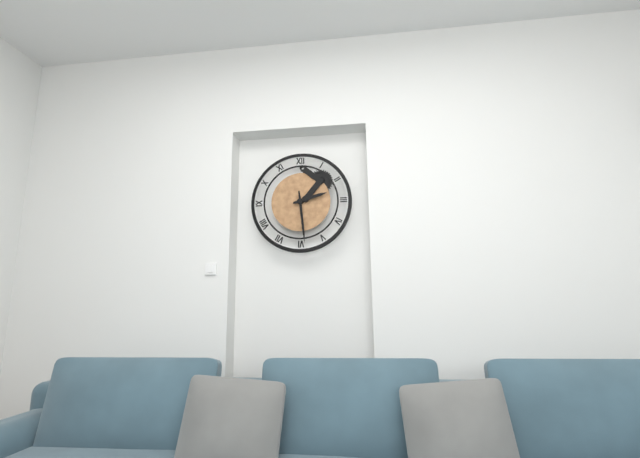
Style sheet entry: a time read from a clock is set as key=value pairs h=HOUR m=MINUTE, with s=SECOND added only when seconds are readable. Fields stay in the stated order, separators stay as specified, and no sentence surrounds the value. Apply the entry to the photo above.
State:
h=2 m=29
